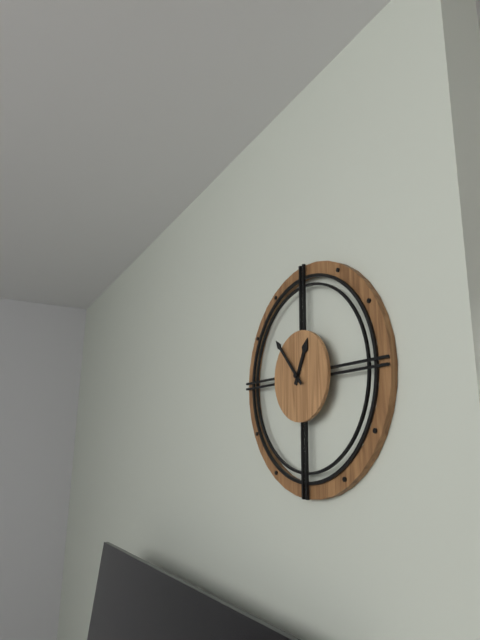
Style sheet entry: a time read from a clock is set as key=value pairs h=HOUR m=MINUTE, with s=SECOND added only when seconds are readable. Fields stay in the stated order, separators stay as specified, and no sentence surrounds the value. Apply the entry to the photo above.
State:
h=12 m=53
